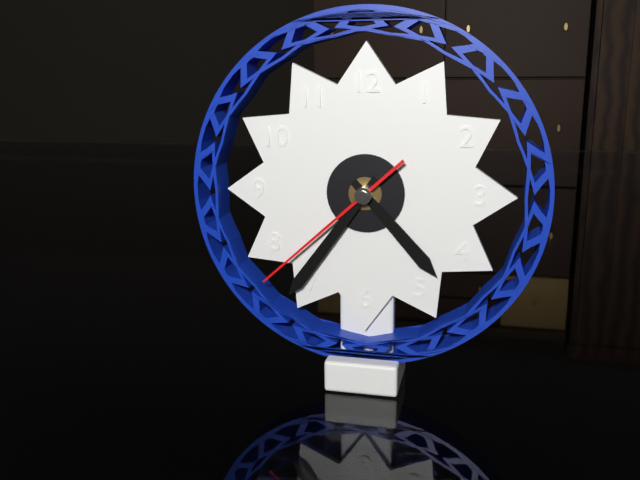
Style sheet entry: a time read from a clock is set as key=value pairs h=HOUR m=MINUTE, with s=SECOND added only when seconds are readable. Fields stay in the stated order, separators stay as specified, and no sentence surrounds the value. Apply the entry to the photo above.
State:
h=4 m=36 s=38
